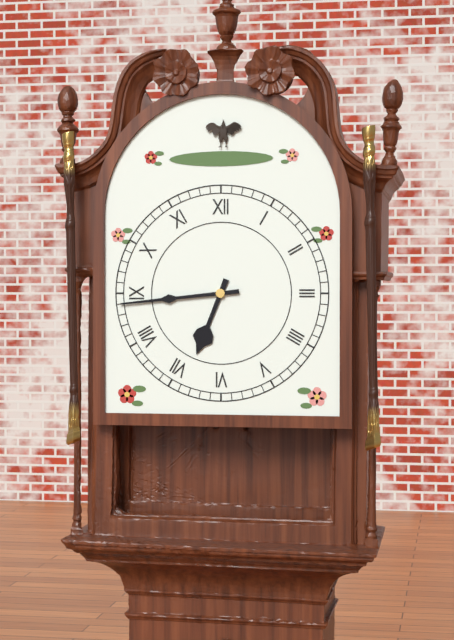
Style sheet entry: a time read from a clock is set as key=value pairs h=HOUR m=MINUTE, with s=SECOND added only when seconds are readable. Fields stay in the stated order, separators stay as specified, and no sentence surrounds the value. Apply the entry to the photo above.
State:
h=6 m=44
